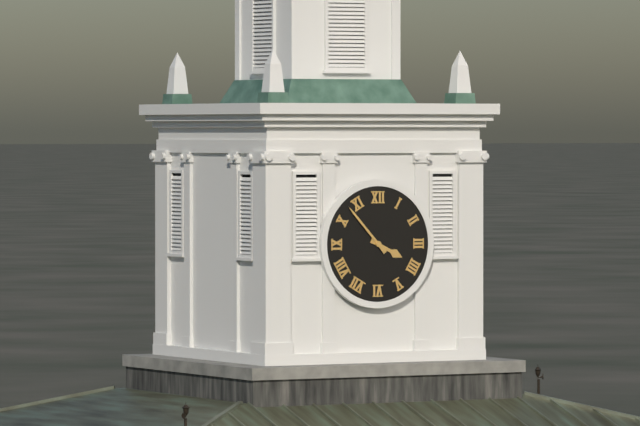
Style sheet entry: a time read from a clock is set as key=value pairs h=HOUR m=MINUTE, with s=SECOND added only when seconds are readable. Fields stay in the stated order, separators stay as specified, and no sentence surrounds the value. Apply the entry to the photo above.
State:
h=3 m=53
